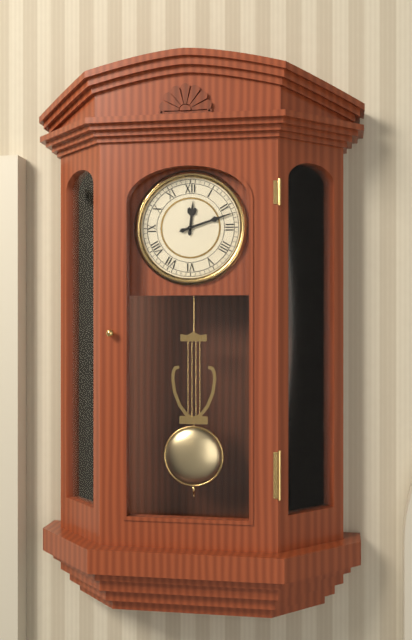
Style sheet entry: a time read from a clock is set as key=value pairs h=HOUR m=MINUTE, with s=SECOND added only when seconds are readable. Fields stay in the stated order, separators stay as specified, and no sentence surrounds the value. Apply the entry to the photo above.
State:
h=12 m=12
